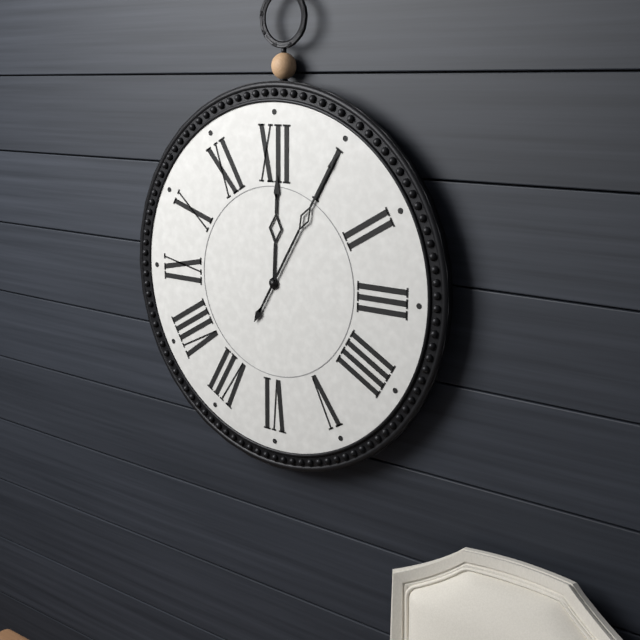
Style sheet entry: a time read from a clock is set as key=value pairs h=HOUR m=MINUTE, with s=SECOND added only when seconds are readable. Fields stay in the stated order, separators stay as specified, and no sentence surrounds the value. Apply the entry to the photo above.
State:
h=12 m=5
